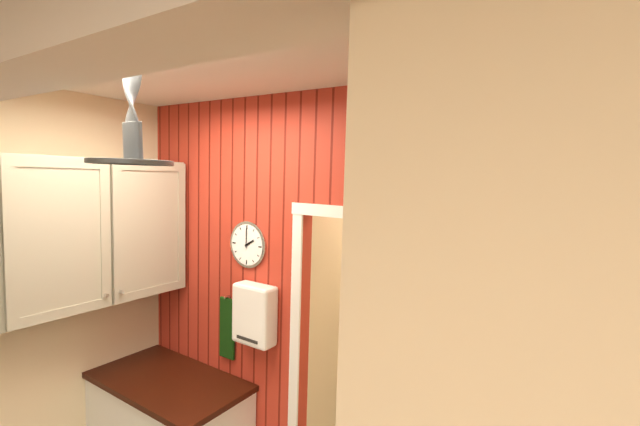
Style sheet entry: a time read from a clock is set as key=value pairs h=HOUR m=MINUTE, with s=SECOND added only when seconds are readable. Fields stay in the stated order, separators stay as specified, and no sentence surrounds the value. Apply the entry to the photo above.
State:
h=2 m=0
